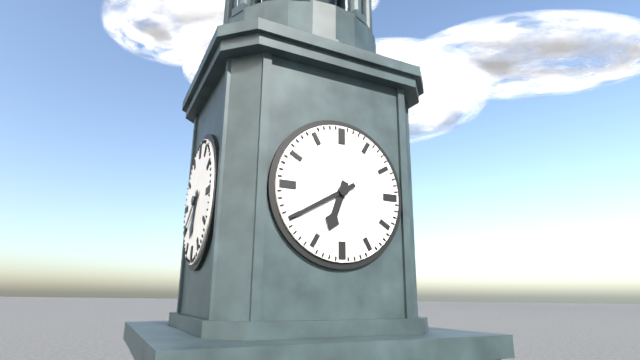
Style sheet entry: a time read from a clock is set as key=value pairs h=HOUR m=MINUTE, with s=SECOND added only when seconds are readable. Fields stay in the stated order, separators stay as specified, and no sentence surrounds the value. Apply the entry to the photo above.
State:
h=6 m=40
